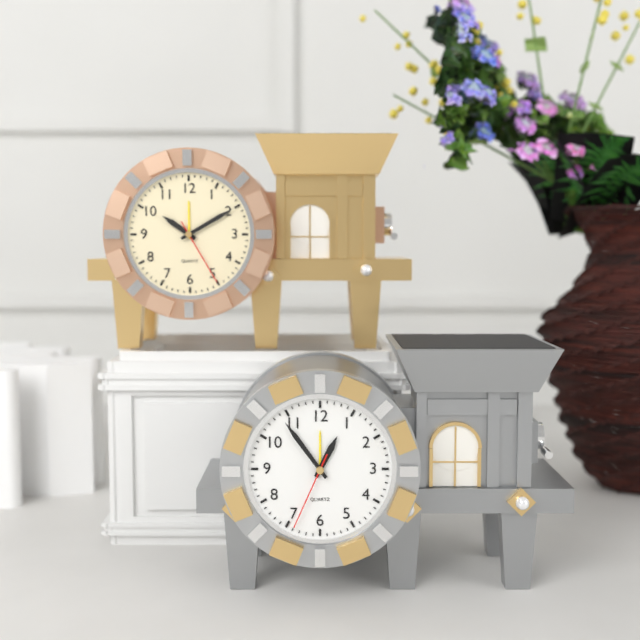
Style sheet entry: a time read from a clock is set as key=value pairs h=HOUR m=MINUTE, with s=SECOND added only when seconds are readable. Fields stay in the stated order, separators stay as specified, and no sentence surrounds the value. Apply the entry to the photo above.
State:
h=12 m=54 s=34
